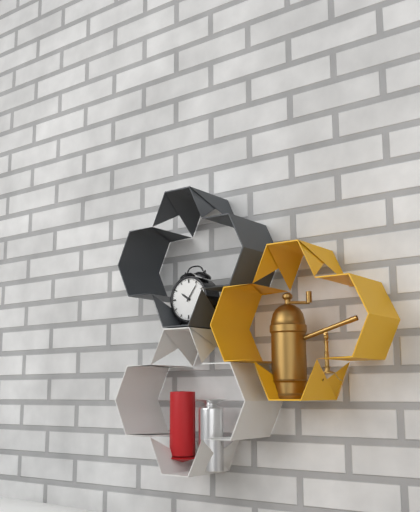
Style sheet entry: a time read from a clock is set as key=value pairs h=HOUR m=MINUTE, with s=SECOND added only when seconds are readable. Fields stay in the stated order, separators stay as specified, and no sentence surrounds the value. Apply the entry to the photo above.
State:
h=10 m=6
